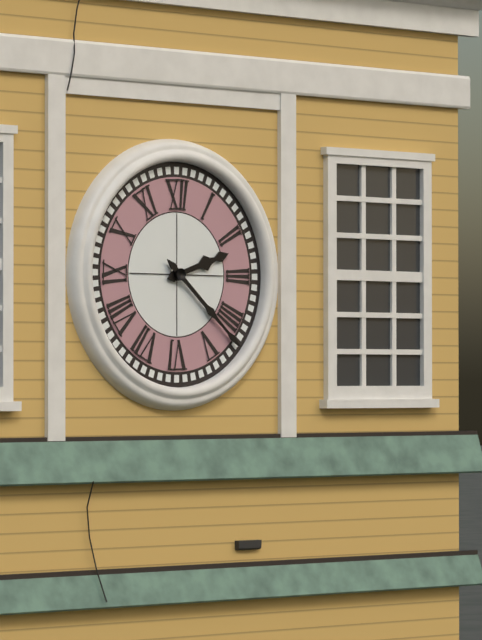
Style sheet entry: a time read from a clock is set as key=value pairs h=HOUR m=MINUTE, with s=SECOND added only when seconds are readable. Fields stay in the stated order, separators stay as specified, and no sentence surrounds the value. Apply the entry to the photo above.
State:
h=2 m=22
